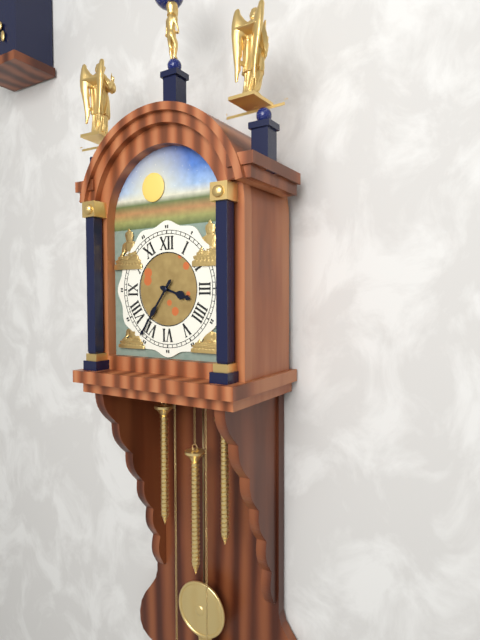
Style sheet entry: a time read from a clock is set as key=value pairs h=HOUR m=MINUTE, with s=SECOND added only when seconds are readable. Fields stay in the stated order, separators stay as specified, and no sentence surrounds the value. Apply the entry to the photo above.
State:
h=3 m=36
